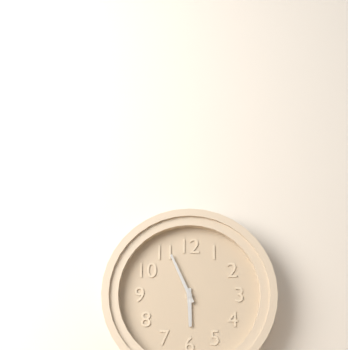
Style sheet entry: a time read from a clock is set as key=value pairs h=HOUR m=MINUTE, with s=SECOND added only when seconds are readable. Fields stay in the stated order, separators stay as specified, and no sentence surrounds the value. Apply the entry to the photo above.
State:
h=5 m=56
